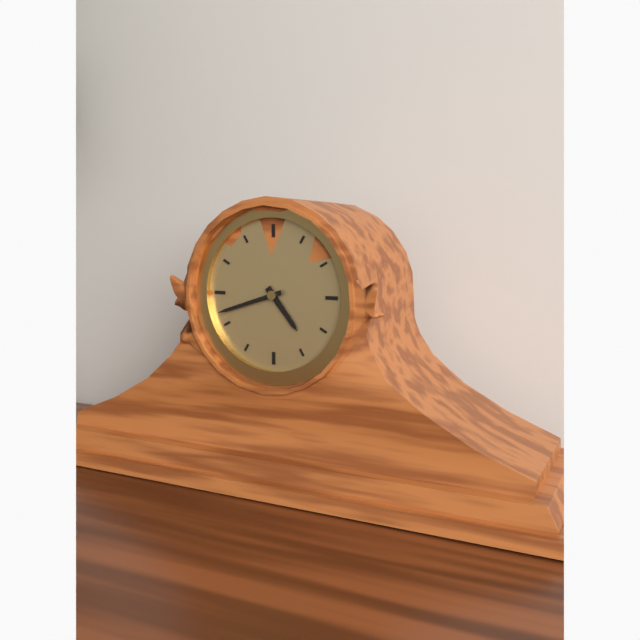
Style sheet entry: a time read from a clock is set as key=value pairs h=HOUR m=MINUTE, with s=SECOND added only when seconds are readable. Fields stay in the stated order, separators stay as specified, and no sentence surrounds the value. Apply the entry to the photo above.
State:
h=4 m=42
